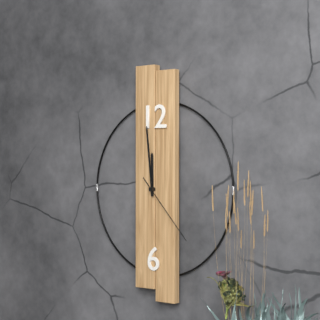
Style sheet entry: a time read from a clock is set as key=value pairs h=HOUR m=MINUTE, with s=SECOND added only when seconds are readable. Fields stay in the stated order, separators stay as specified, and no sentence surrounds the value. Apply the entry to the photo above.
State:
h=11 m=59 s=23
